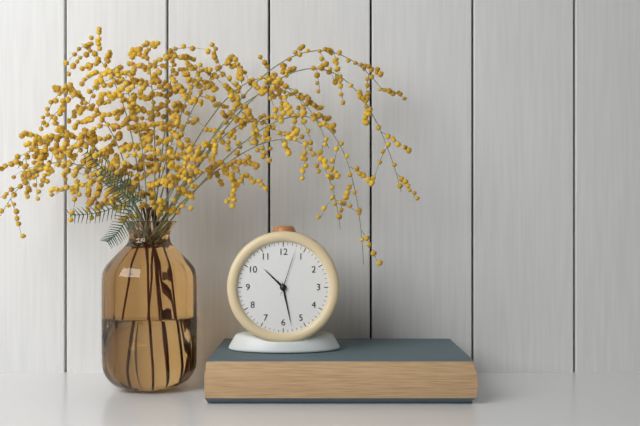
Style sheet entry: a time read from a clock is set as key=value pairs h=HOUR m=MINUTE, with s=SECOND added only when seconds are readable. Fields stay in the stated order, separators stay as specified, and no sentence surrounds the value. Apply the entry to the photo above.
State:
h=10 m=28 s=3
